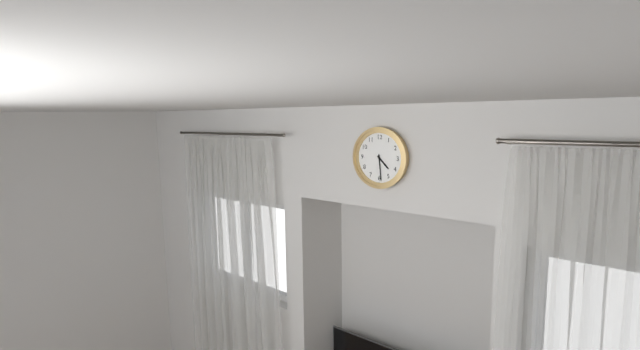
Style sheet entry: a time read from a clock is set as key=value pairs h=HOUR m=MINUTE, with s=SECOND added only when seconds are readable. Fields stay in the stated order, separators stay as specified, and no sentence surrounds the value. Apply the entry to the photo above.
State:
h=4 m=29
